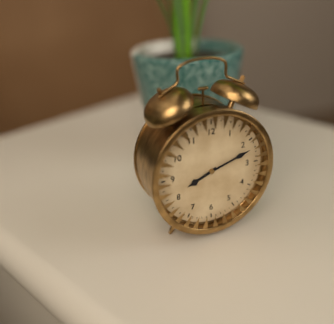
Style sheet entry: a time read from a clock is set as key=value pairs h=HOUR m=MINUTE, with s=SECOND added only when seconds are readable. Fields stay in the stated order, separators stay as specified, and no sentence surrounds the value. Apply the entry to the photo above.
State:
h=8 m=12
